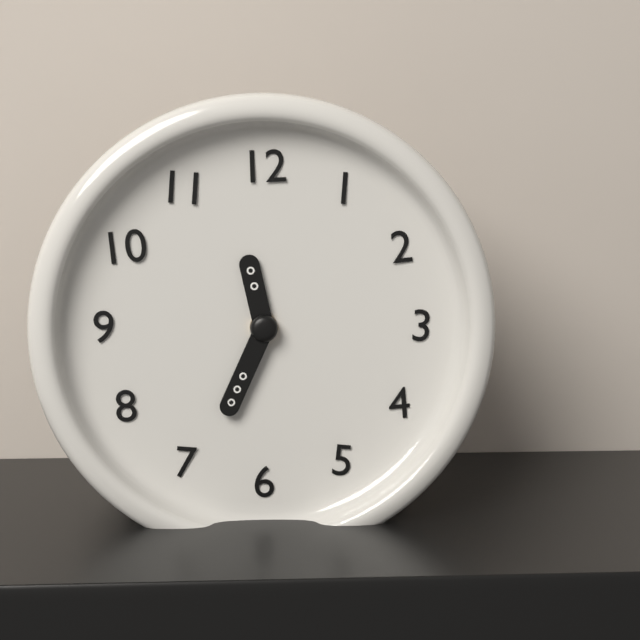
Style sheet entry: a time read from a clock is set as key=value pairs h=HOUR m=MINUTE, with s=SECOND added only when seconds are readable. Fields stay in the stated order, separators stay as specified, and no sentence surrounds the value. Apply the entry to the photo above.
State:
h=11 m=34
